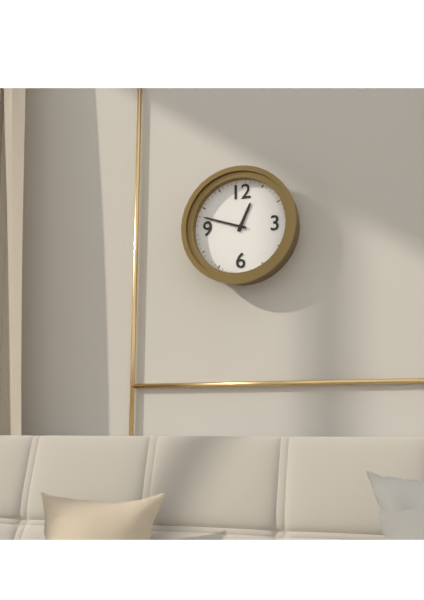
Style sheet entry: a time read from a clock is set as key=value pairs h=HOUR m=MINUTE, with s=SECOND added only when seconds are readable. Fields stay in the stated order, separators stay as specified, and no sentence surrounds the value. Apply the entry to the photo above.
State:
h=12 m=48
